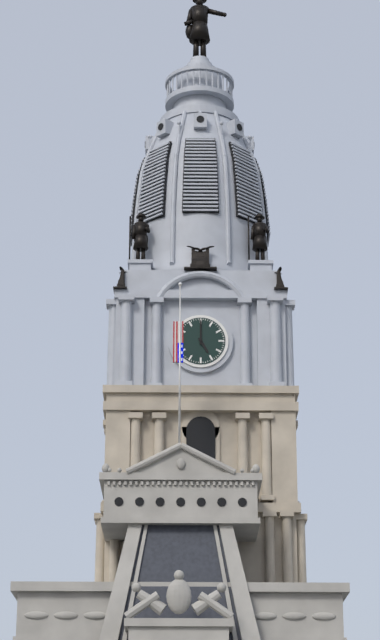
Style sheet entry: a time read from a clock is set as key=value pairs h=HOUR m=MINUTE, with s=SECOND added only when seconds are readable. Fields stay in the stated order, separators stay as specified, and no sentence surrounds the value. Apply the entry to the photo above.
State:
h=5 m=0
